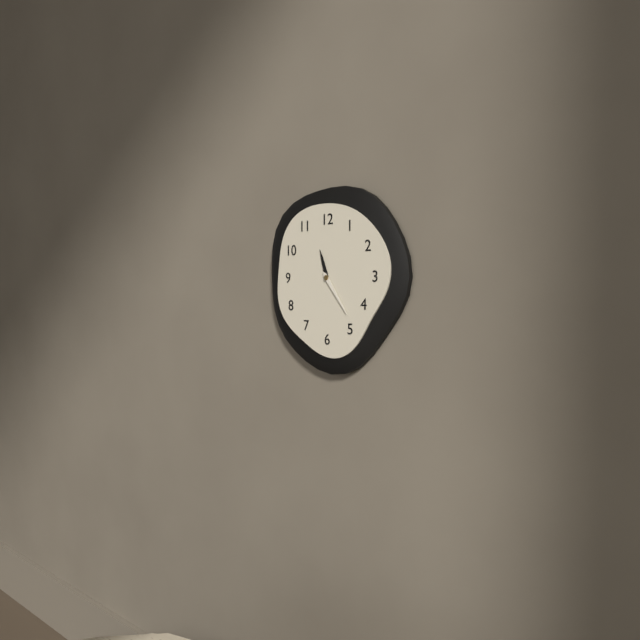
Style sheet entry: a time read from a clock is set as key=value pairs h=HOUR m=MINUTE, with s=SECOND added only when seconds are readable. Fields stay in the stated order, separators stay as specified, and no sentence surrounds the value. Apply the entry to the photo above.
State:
h=11 m=24
